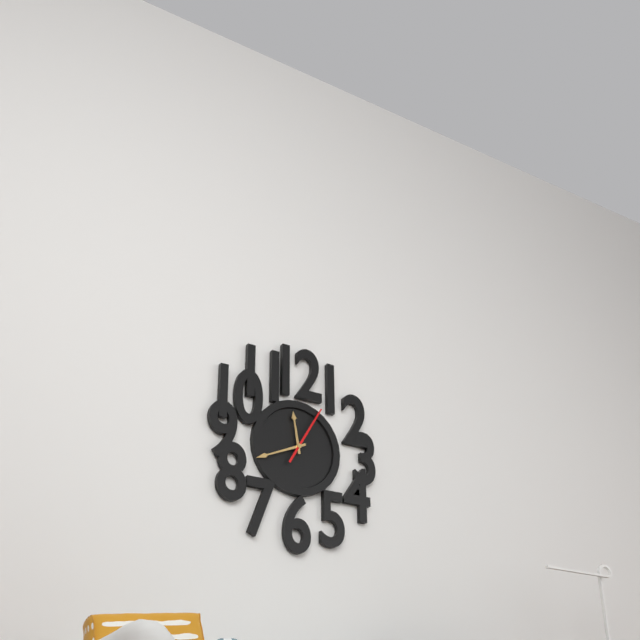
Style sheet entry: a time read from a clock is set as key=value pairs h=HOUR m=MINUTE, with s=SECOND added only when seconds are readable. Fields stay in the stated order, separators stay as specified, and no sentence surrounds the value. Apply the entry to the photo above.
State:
h=11 m=41 s=5
